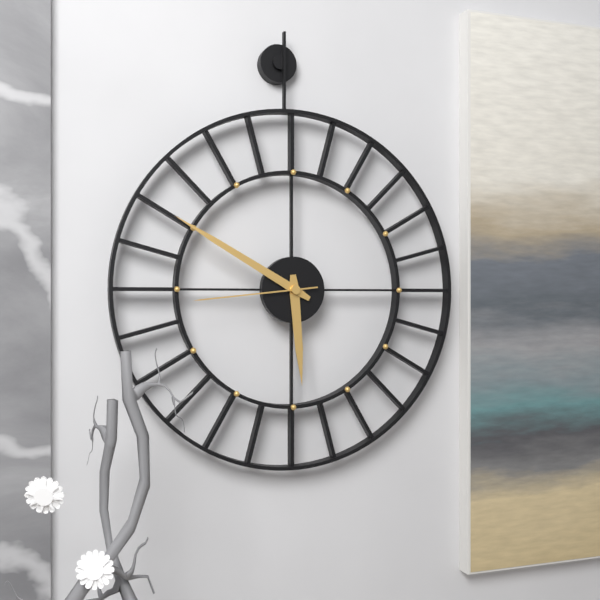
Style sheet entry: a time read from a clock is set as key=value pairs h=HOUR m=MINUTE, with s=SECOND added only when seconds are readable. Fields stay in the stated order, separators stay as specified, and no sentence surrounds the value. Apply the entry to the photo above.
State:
h=5 m=50 s=44
